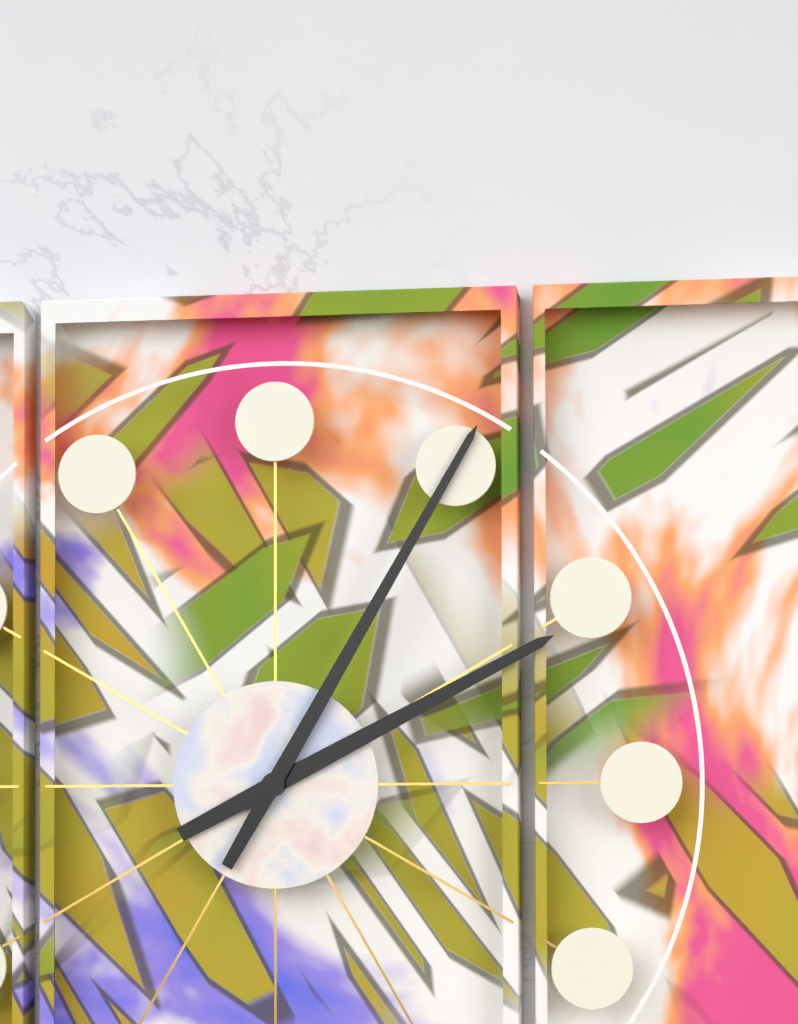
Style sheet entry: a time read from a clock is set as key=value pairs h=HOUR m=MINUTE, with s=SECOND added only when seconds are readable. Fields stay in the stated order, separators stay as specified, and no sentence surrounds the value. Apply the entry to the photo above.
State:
h=2 m=5
